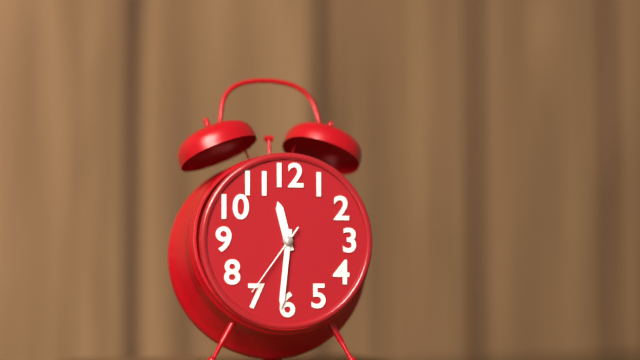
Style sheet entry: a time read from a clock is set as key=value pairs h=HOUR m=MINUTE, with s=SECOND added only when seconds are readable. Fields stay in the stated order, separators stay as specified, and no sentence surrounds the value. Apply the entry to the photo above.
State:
h=11 m=31 s=36
